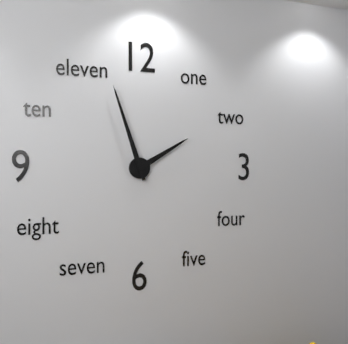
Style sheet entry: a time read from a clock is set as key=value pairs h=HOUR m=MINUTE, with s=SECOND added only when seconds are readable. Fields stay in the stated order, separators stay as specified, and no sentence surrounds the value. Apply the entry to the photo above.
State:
h=1 m=57
